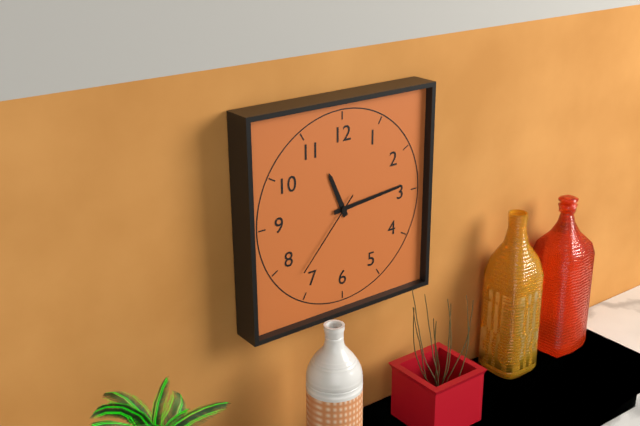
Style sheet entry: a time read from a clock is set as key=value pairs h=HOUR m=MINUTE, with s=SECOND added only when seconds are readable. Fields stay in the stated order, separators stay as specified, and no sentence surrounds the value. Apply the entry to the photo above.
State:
h=11 m=14 s=37
